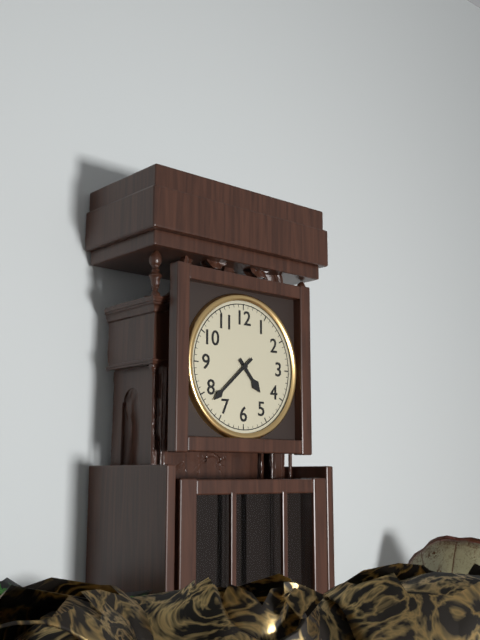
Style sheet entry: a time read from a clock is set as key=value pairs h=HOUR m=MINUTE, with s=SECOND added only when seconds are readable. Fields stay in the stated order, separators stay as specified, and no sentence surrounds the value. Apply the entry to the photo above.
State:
h=4 m=38
